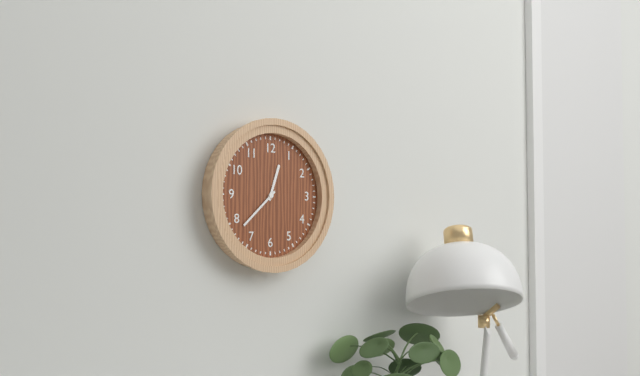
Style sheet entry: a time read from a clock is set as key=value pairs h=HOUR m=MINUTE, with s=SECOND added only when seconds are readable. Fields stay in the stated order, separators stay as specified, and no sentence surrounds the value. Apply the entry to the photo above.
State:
h=12 m=38
